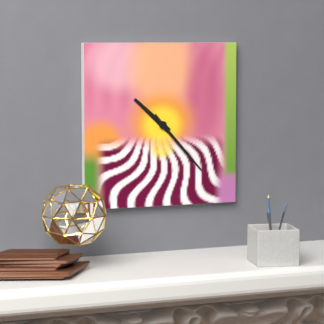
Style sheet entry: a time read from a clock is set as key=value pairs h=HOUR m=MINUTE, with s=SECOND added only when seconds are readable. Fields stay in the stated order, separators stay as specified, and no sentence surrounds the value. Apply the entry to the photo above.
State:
h=10 m=23
